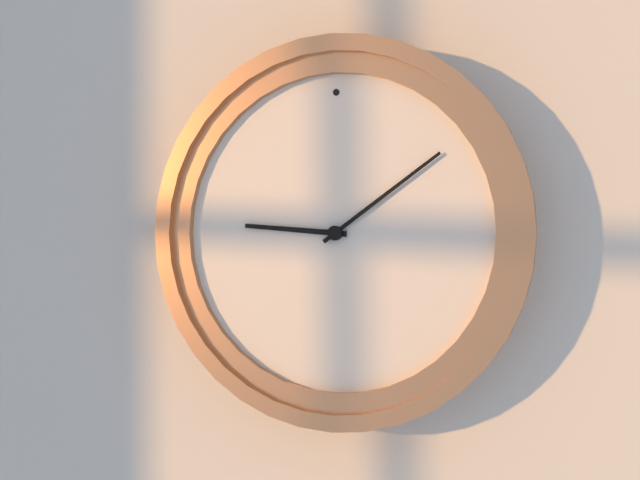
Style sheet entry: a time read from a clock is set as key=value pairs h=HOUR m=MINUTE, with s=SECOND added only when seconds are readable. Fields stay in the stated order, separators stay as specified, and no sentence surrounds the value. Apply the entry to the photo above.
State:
h=9 m=9
